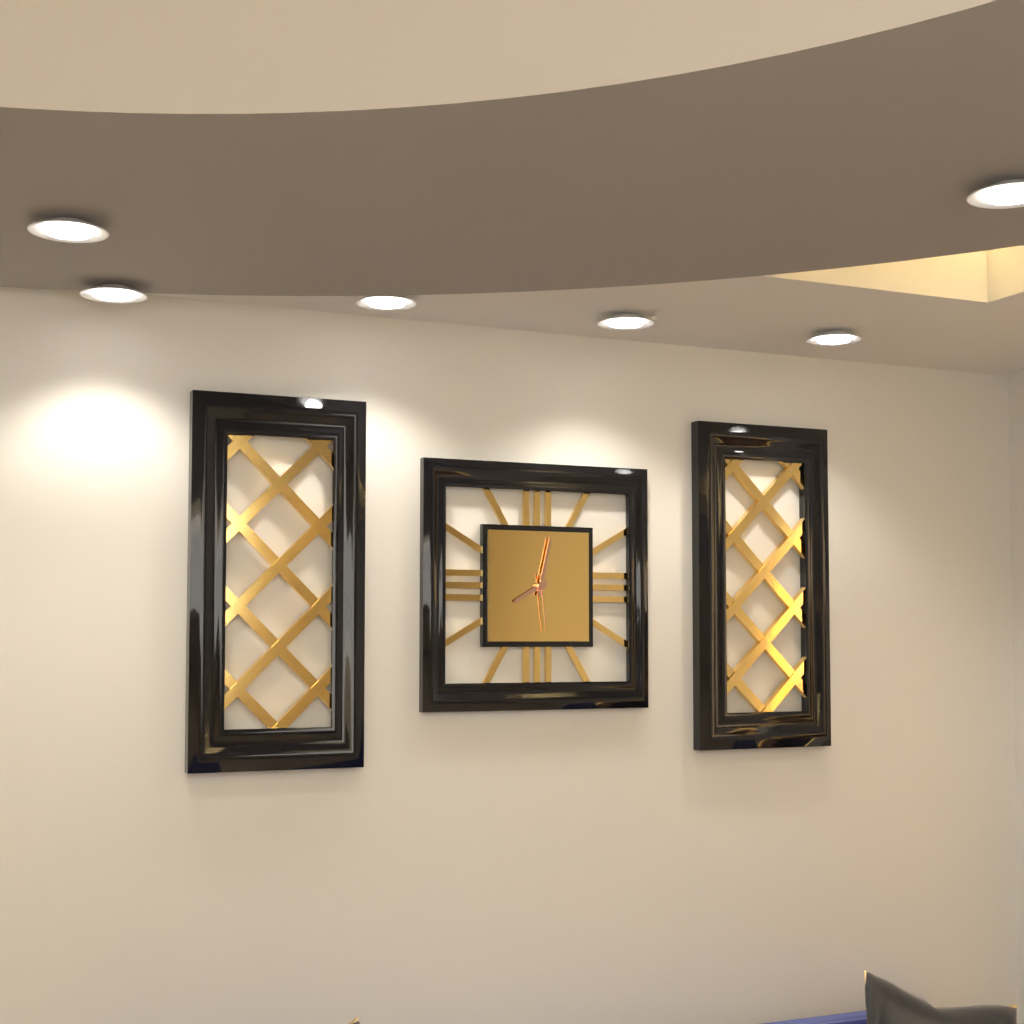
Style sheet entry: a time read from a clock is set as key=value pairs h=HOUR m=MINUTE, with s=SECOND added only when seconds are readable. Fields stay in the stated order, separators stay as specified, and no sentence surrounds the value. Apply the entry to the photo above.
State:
h=8 m=2 s=29
